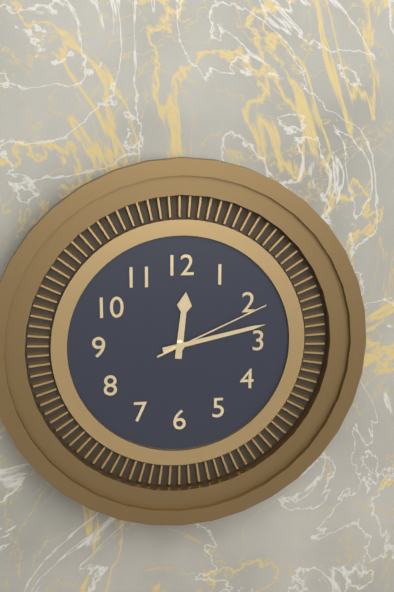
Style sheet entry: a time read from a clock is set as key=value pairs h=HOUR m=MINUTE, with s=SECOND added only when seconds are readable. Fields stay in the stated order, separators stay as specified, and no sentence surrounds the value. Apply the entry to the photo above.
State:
h=12 m=13 s=11
